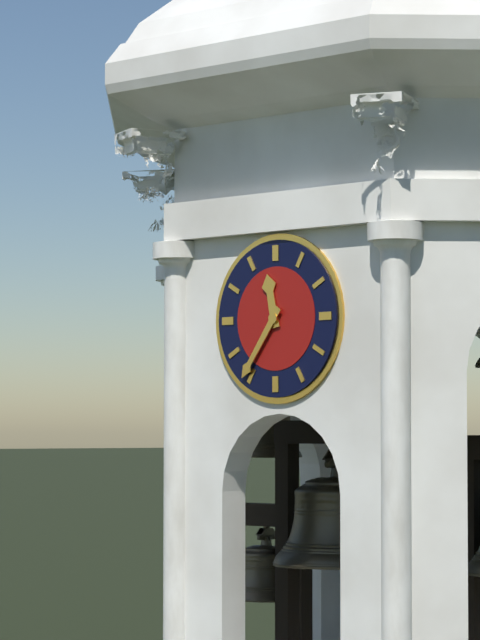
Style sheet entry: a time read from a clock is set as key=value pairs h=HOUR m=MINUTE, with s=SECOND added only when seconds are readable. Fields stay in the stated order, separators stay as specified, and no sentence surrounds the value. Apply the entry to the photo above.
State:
h=11 m=36
